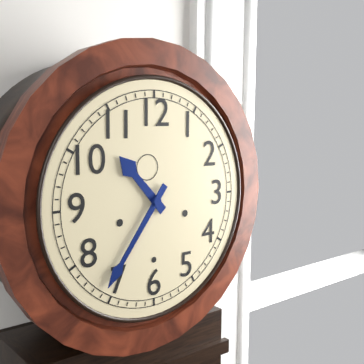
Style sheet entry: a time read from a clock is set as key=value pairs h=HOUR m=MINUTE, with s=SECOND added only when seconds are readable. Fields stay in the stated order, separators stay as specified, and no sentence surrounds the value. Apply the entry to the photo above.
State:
h=10 m=36
